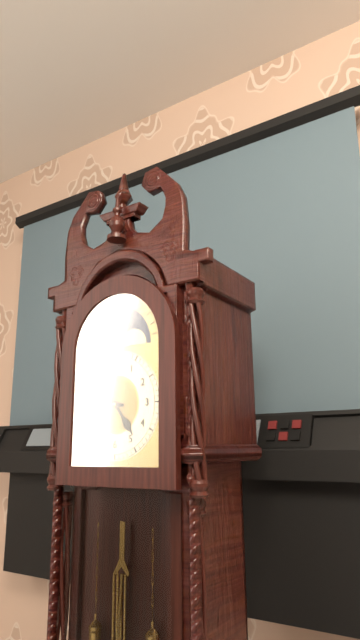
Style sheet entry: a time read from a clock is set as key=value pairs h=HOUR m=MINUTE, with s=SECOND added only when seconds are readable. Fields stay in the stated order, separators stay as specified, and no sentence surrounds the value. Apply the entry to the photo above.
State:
h=4 m=46
